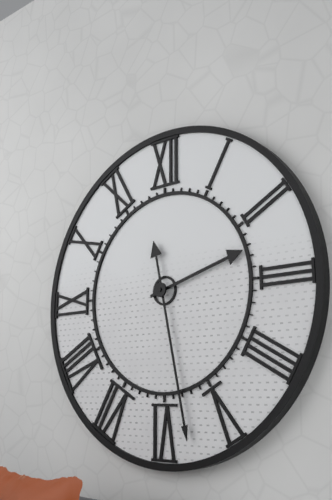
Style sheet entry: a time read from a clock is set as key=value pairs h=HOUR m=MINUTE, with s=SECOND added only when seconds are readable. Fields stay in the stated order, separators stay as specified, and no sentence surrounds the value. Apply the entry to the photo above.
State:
h=2 m=28
